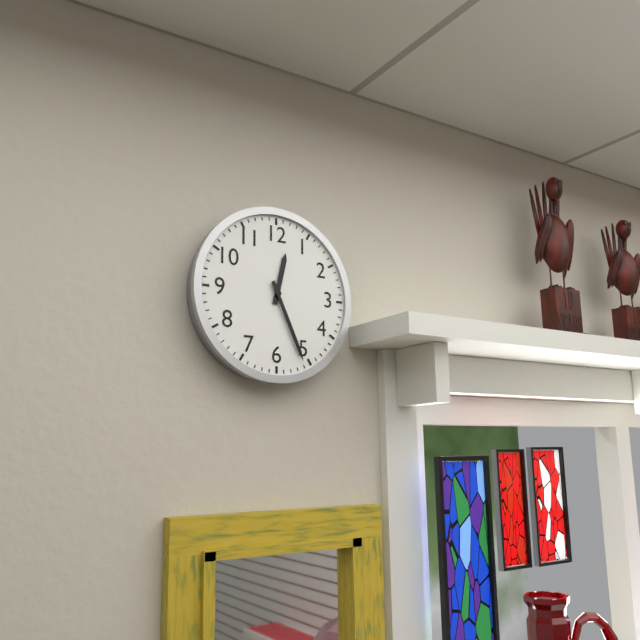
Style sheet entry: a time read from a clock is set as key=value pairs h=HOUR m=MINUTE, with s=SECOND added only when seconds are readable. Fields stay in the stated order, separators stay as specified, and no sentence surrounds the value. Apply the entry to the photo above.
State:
h=12 m=26
